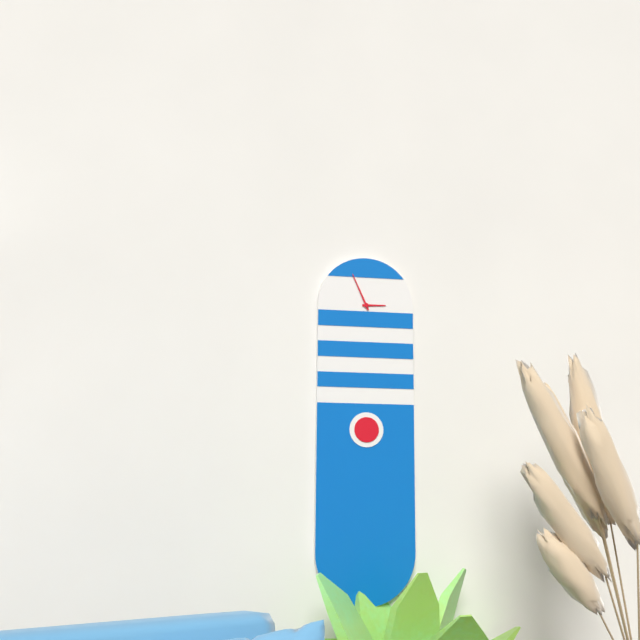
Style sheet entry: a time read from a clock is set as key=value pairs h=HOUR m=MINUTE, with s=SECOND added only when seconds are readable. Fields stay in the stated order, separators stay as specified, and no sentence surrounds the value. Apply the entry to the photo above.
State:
h=2 m=56
